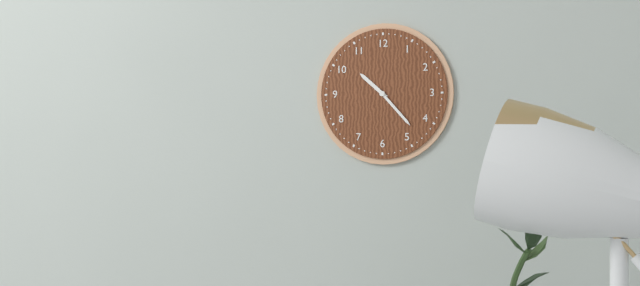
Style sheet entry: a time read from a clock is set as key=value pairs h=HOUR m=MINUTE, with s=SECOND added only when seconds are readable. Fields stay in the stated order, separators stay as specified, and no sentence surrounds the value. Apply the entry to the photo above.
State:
h=10 m=23
